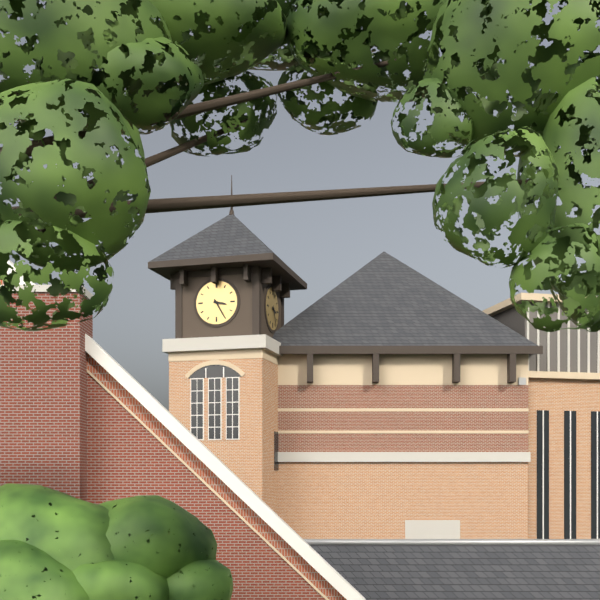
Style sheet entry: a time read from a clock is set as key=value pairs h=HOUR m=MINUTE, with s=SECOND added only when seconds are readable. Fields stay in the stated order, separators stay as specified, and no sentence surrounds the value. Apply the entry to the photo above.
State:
h=3 m=25
